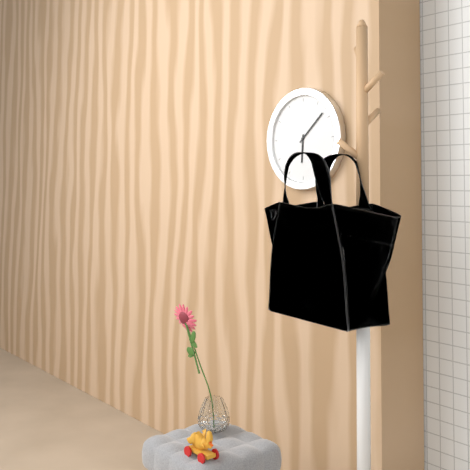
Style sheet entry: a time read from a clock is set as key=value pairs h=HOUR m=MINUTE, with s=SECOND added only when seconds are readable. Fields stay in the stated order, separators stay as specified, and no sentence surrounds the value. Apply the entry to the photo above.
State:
h=6 m=8
